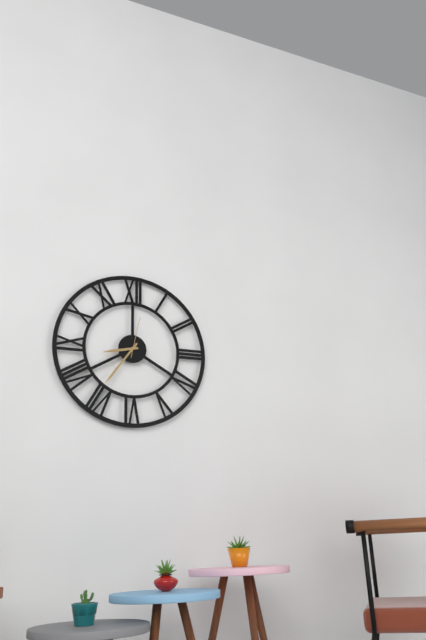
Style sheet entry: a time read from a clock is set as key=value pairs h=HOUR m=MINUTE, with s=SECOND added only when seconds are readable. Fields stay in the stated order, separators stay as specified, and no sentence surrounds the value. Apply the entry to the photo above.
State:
h=8 m=36
